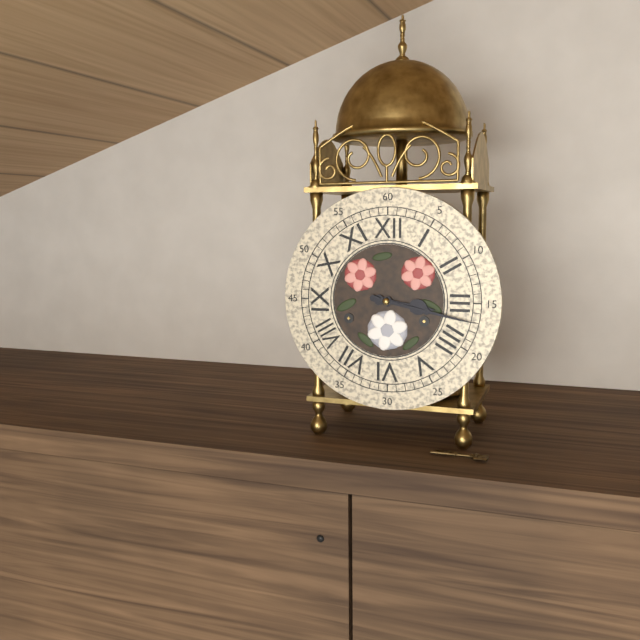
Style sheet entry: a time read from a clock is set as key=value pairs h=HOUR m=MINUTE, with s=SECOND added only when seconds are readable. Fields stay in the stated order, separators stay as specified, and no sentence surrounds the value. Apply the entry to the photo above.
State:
h=3 m=17
